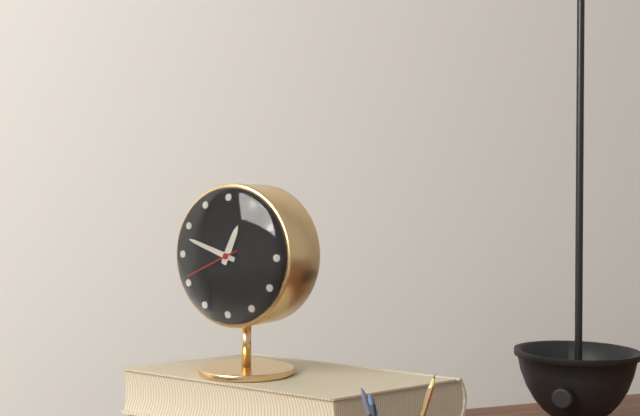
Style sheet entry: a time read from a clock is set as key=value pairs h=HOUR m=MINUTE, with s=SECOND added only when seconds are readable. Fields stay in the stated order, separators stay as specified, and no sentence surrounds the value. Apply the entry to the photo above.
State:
h=12 m=48 s=41
